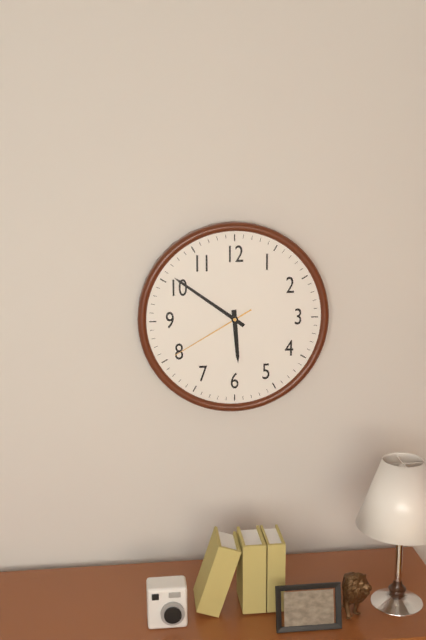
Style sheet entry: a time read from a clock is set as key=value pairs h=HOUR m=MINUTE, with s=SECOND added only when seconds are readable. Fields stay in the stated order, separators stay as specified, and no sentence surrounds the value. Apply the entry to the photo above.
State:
h=5 m=51 s=40
